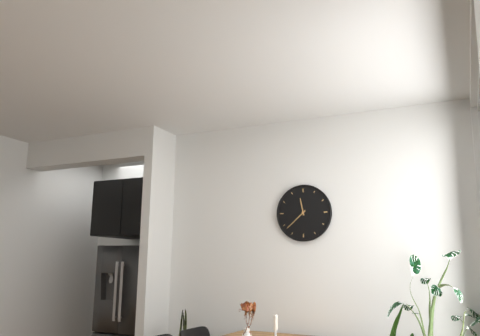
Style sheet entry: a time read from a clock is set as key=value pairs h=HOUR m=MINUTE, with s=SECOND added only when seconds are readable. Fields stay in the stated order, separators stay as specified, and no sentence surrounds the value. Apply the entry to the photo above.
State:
h=11 m=38
